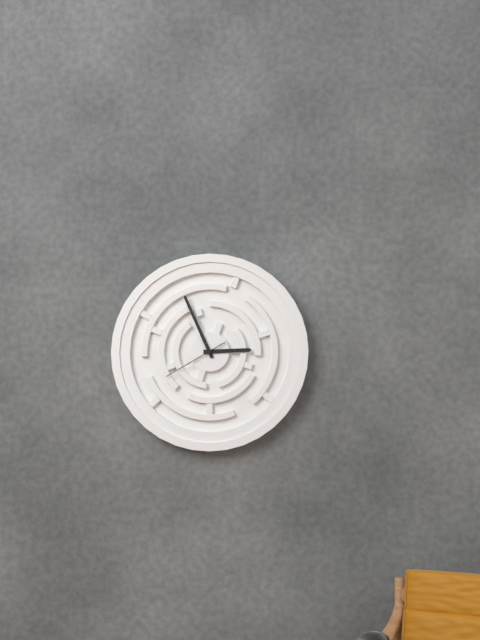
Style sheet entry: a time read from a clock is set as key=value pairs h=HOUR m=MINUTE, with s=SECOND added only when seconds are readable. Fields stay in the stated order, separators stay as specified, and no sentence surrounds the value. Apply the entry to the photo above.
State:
h=2 m=56 s=40
